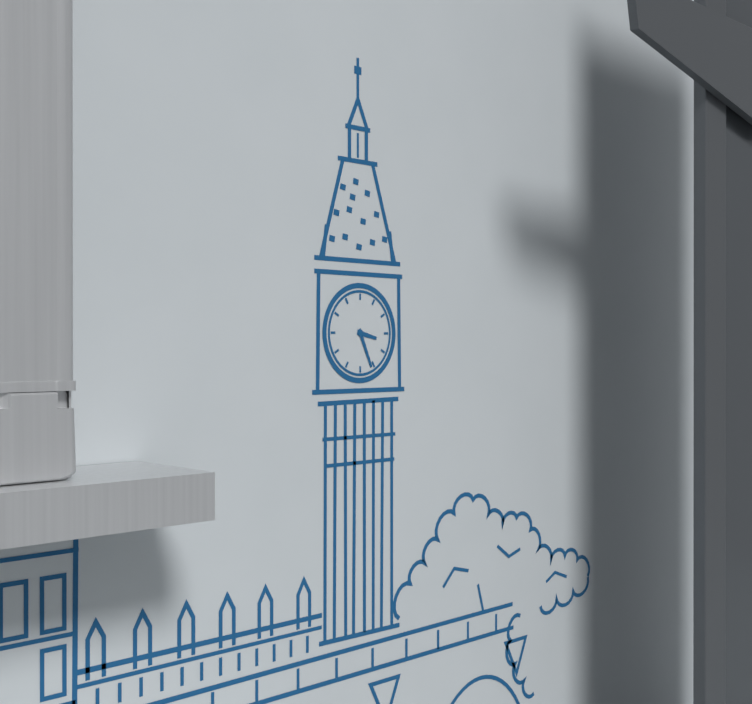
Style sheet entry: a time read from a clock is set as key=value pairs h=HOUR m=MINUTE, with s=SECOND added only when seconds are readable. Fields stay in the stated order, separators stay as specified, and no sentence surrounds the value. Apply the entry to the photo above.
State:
h=3 m=26
